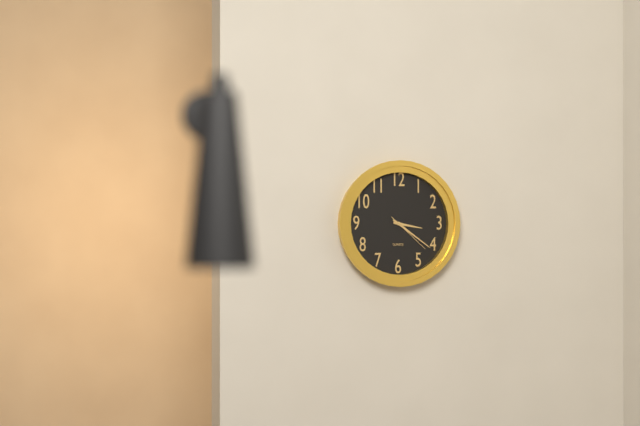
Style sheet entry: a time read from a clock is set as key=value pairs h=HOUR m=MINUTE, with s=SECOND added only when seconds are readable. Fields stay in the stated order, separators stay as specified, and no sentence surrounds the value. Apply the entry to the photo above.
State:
h=3 m=21
